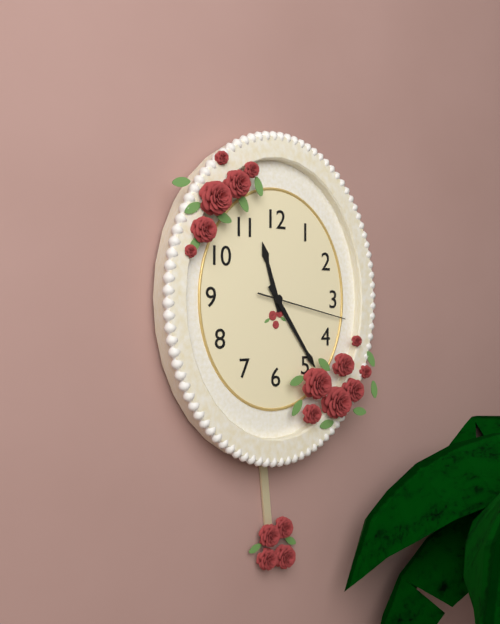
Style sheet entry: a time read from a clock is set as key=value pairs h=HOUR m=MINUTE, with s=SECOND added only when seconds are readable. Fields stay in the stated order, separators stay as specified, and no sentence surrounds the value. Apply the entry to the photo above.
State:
h=11 m=24 s=17
